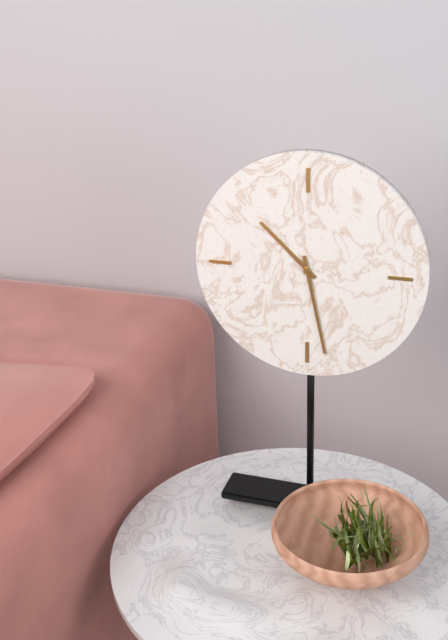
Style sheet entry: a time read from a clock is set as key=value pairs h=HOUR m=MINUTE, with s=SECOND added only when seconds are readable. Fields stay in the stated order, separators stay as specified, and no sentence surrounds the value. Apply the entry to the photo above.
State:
h=10 m=28
